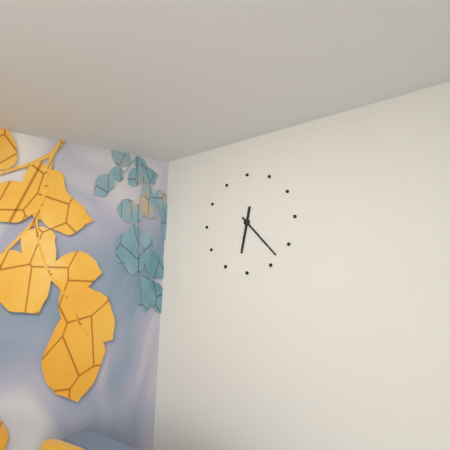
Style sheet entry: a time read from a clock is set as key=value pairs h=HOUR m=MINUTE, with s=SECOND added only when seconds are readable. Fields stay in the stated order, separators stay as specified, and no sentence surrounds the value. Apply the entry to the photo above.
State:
h=6 m=23
